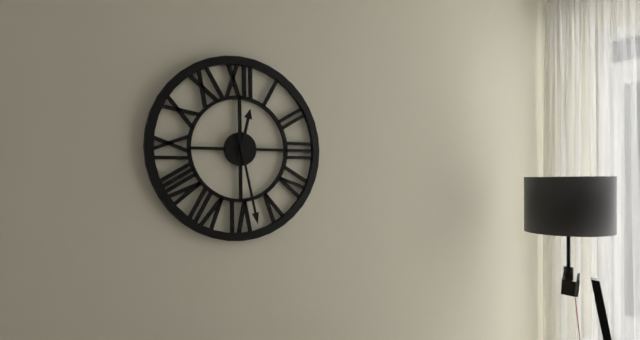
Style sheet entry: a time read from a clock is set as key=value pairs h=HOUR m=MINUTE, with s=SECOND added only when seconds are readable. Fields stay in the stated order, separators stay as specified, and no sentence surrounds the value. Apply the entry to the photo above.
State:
h=12 m=28
